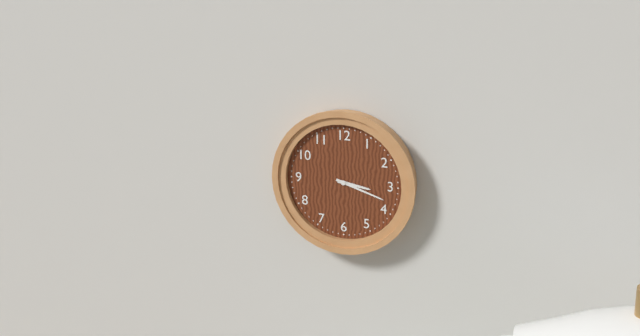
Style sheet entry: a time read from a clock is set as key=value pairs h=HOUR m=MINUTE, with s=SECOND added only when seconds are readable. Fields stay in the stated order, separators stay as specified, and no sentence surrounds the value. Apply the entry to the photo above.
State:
h=3 m=18
